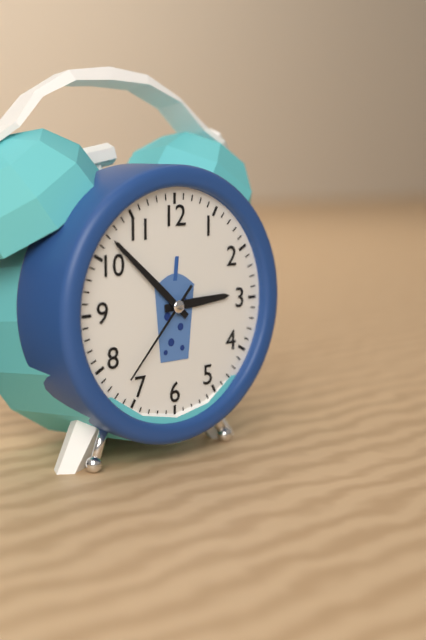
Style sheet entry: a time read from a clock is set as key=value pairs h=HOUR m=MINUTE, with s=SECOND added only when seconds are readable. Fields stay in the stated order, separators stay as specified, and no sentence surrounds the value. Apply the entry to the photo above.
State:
h=2 m=52 s=37
